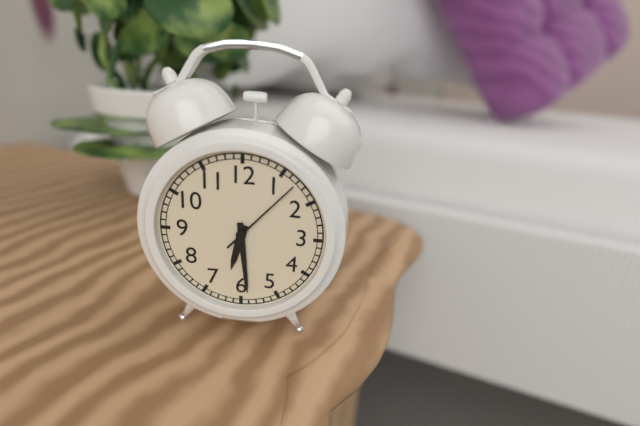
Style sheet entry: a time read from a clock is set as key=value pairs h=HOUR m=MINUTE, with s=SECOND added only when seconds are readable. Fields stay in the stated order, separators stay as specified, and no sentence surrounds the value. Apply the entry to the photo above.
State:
h=6 m=29 s=7
